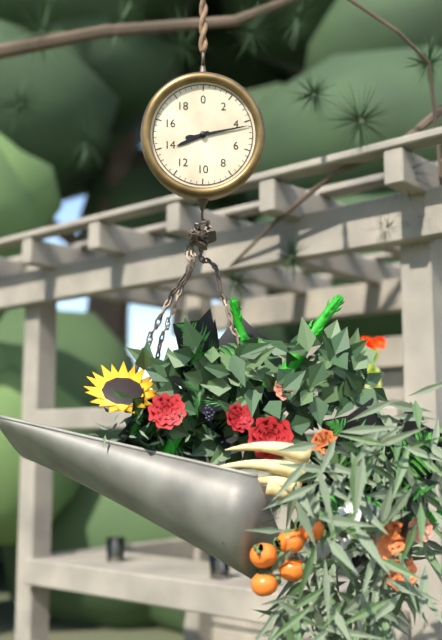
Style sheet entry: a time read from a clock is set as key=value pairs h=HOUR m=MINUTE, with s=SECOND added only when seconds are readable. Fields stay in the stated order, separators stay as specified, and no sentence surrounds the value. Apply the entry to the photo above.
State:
h=8 m=13
